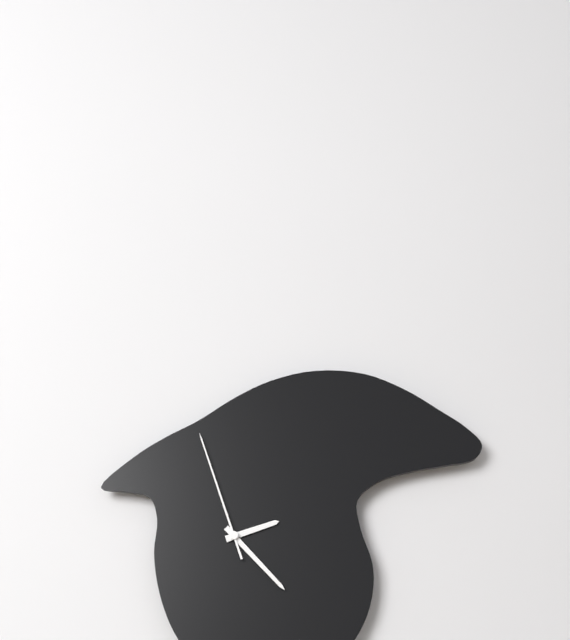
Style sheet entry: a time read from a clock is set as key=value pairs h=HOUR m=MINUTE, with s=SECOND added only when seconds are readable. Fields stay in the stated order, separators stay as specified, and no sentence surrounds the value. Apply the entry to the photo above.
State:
h=2 m=23 s=57
